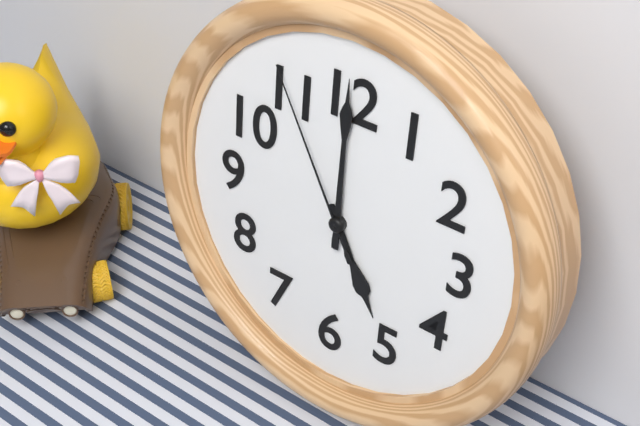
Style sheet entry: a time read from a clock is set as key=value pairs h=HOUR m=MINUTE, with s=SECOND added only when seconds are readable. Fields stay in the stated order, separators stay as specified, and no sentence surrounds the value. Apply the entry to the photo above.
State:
h=5 m=0 s=55
